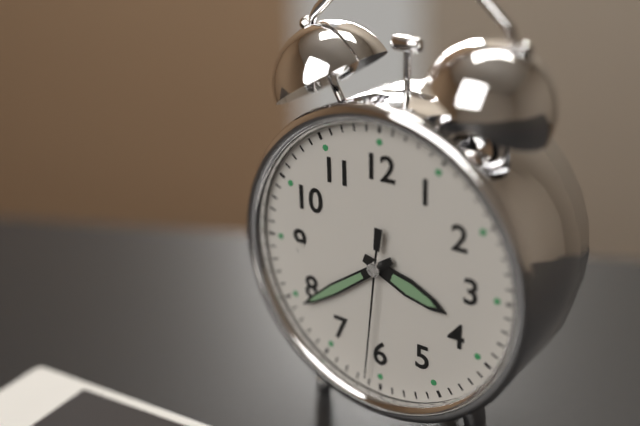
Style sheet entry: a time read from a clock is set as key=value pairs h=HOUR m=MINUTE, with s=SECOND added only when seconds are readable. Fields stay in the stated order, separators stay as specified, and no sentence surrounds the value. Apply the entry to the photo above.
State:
h=3 m=39 s=31
